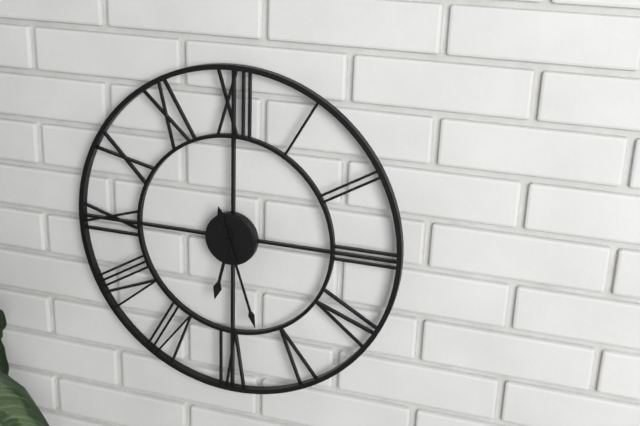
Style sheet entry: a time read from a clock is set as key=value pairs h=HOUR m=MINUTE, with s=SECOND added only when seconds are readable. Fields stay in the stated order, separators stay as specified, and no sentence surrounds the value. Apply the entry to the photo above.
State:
h=6 m=27
